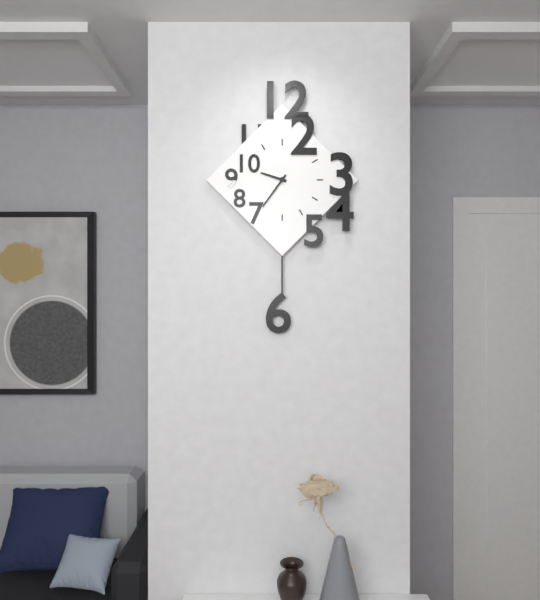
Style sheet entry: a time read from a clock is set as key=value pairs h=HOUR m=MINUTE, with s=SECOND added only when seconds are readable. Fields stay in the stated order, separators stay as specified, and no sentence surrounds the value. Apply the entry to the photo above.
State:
h=9 m=36
